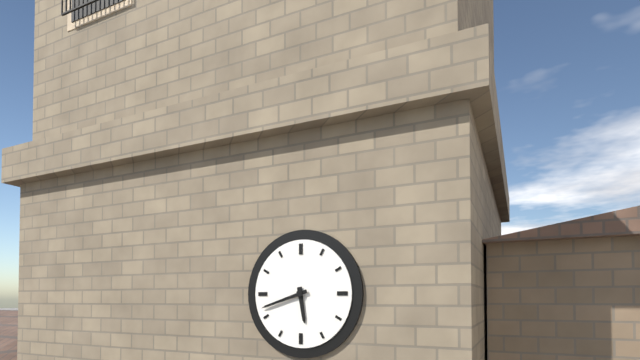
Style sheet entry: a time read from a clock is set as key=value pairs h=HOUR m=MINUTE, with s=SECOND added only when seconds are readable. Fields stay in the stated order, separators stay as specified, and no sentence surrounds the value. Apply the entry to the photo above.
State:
h=5 m=42
